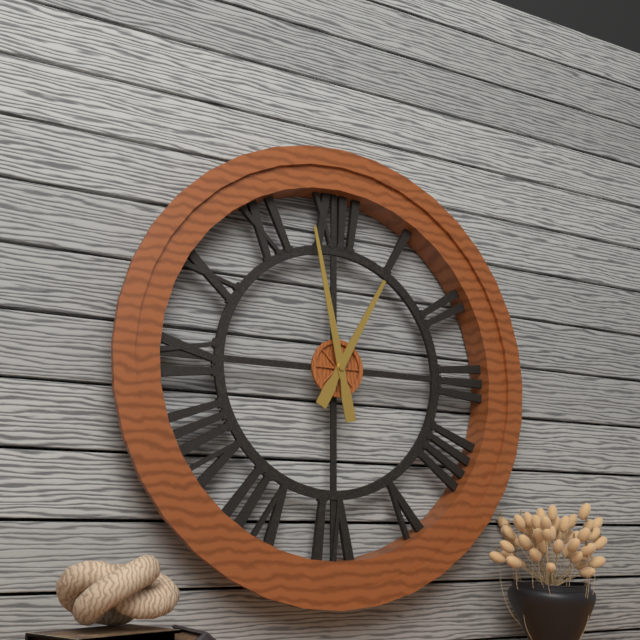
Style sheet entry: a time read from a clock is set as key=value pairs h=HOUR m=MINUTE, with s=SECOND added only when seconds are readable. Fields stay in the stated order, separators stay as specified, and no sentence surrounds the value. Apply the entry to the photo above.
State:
h=12 m=58
